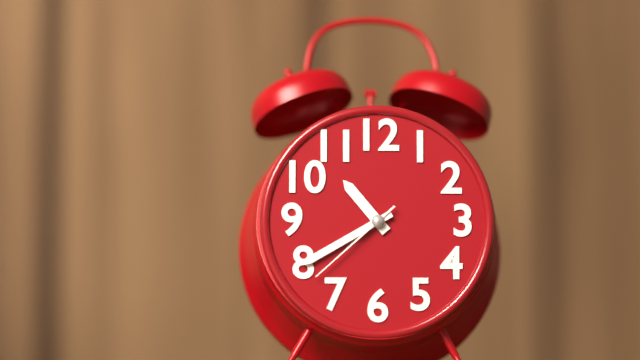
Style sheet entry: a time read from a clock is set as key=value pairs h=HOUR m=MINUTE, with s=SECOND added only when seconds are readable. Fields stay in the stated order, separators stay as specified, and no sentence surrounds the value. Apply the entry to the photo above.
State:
h=10 m=40 s=38
